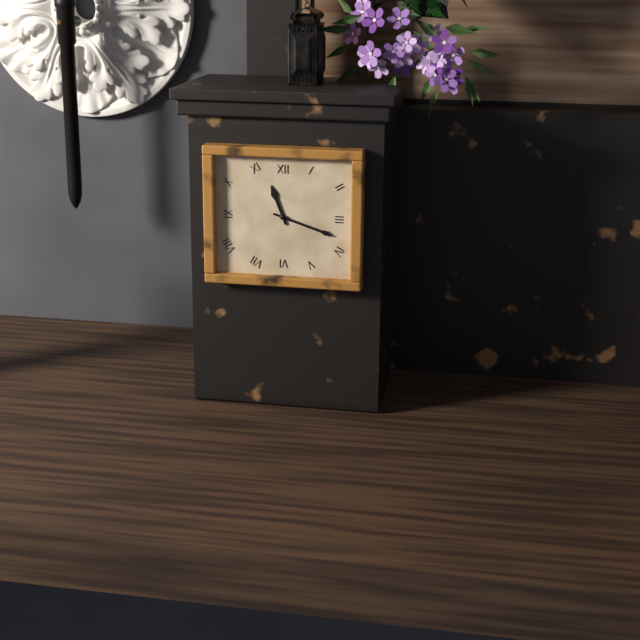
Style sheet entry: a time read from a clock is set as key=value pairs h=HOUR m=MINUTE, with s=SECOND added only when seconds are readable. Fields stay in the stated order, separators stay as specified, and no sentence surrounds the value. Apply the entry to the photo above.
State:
h=11 m=18
